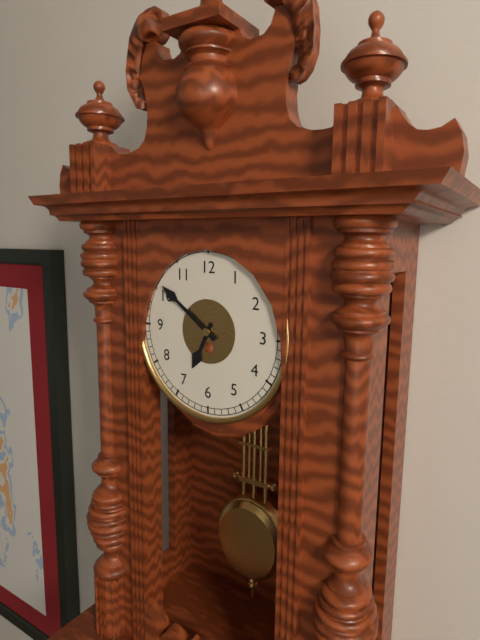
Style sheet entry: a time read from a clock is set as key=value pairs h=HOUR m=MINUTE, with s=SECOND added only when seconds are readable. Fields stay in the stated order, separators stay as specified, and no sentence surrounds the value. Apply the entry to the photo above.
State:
h=6 m=51
